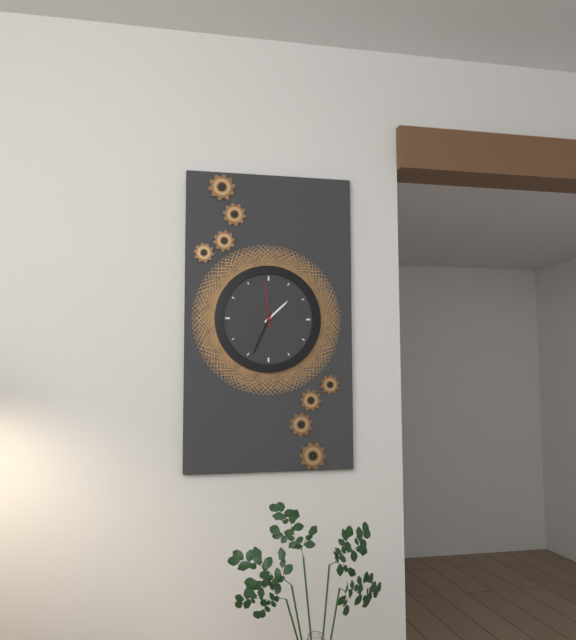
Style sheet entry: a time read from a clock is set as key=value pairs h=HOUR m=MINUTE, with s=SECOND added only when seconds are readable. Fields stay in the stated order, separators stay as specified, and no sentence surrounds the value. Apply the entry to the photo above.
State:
h=1 m=34
